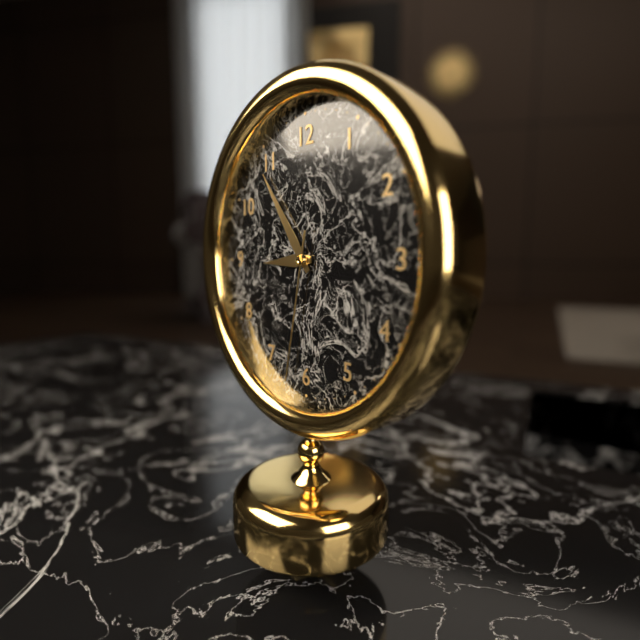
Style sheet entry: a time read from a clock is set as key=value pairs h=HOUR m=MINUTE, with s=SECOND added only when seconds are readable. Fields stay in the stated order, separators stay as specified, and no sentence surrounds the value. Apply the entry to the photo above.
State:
h=8 m=54 s=32
